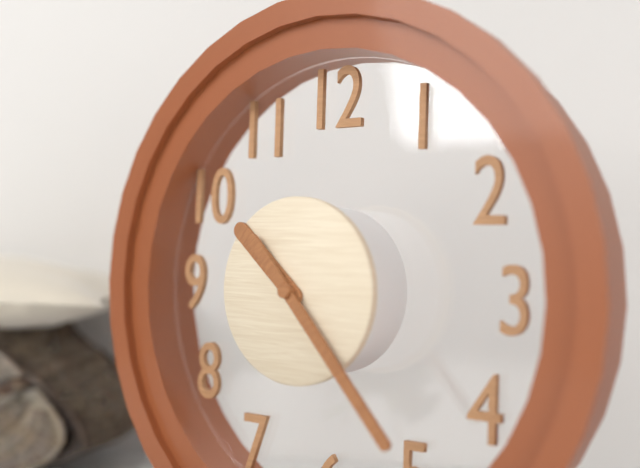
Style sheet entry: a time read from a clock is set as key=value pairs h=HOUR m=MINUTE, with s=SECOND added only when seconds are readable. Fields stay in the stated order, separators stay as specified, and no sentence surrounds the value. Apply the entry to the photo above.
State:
h=10 m=23
